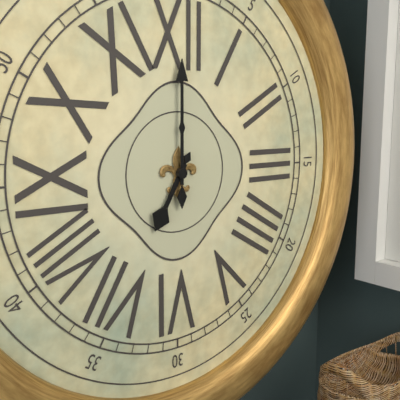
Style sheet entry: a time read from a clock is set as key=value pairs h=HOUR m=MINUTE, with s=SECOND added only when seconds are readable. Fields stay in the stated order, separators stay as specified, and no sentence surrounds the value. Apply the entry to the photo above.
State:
h=7 m=0
